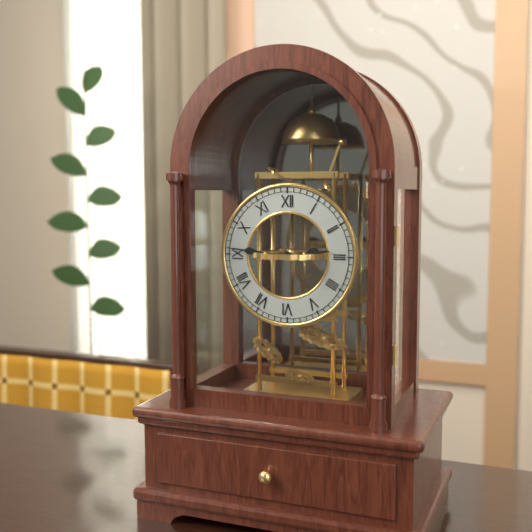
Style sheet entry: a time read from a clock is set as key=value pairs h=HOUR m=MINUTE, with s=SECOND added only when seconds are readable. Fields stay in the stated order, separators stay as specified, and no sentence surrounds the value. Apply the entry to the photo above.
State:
h=2 m=46
